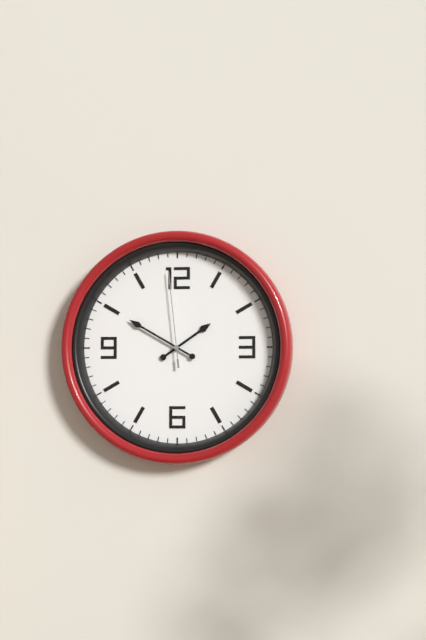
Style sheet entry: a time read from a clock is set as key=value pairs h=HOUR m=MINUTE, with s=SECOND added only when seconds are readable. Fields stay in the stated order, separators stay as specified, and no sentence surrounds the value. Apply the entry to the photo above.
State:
h=1 m=50 s=59
